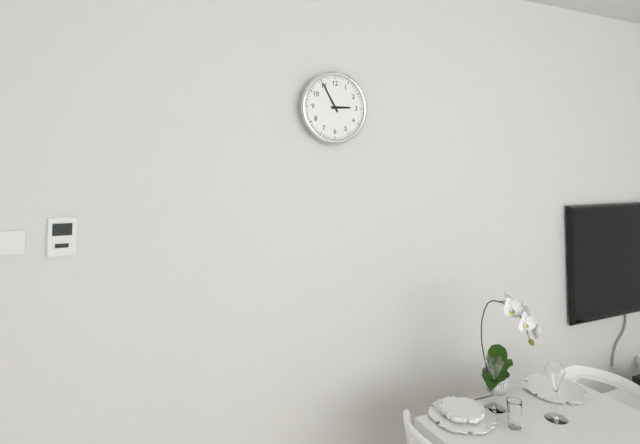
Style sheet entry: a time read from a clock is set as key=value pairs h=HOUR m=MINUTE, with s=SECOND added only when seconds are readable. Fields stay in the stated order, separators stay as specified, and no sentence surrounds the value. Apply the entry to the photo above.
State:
h=2 m=55
